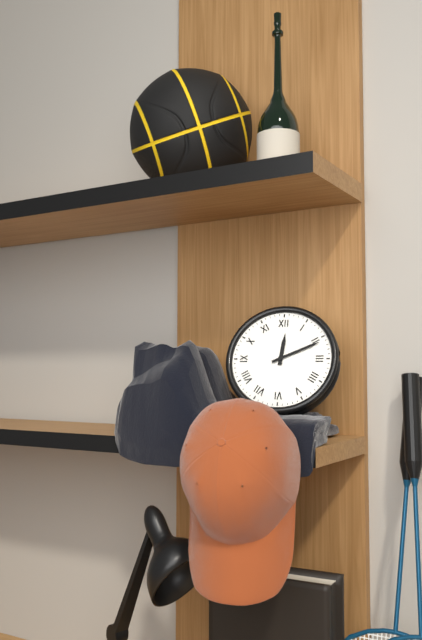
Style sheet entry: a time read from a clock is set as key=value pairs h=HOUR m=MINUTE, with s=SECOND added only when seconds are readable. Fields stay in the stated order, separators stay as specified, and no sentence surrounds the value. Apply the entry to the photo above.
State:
h=12 m=11
